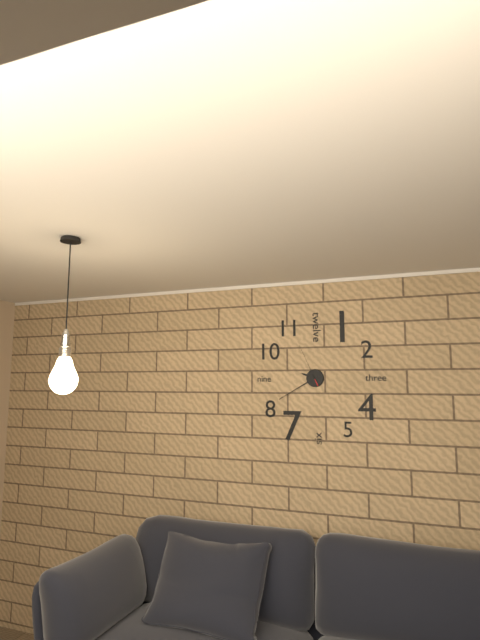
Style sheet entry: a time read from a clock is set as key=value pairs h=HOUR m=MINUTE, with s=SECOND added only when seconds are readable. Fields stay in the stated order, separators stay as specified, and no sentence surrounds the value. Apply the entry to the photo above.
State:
h=9 m=40
